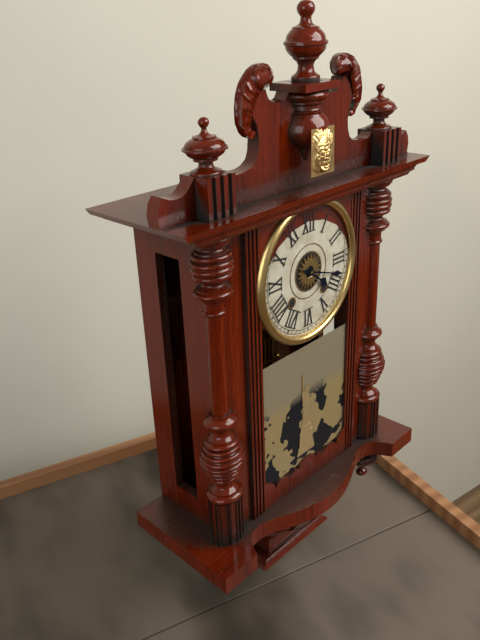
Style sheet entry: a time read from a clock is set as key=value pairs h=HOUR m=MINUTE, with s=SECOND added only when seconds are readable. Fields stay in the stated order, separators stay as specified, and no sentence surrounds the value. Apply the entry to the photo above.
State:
h=4 m=18
